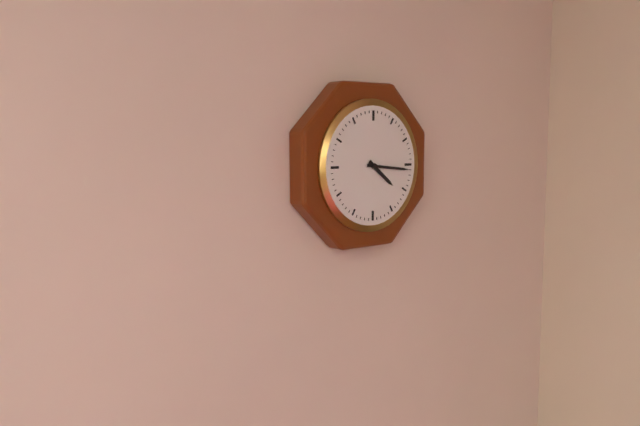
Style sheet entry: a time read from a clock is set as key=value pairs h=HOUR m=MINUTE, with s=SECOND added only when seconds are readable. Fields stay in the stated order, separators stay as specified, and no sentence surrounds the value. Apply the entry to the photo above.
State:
h=4 m=16
